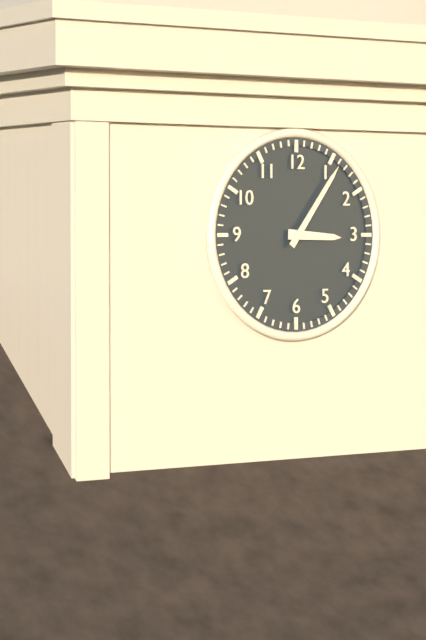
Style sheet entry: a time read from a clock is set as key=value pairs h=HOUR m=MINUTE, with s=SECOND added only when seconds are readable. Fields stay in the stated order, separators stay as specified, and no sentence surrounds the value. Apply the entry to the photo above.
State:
h=3 m=6
